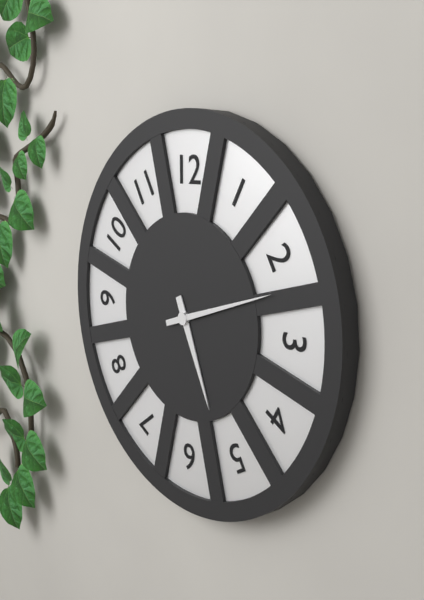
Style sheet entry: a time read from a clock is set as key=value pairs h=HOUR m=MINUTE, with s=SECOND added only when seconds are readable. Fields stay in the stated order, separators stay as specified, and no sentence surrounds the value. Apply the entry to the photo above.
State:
h=5 m=12
